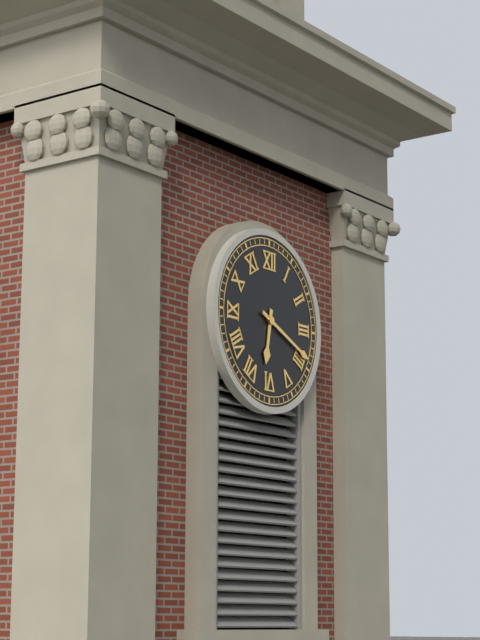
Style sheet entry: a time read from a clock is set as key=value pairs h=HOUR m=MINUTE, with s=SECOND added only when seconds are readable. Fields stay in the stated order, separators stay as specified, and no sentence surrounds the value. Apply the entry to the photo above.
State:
h=6 m=19
